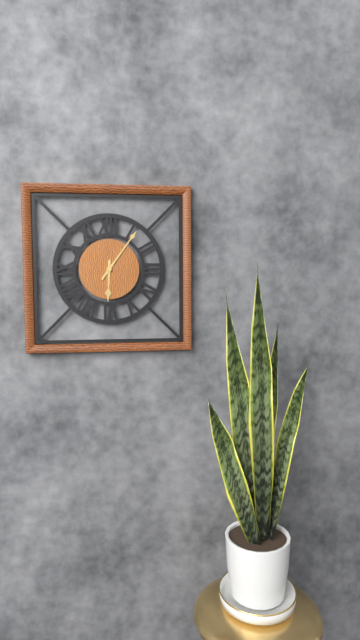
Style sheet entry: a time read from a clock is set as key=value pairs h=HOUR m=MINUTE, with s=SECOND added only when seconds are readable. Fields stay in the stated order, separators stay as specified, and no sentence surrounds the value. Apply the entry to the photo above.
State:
h=6 m=6
